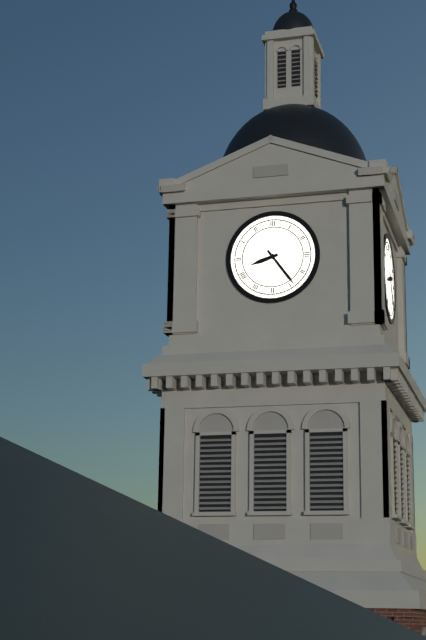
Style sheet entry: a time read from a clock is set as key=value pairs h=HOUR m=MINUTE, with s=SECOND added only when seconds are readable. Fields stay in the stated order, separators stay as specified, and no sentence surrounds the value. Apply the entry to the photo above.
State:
h=8 m=24
